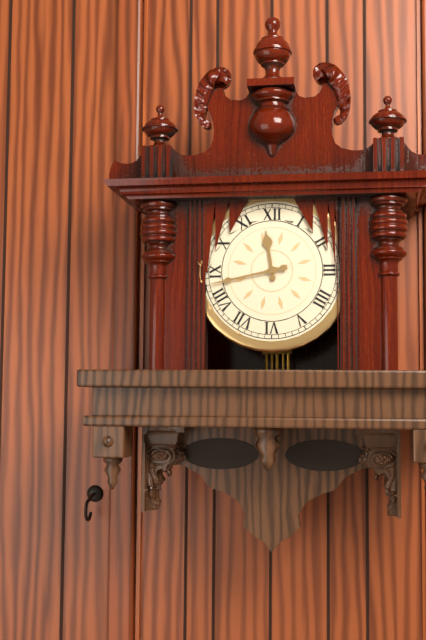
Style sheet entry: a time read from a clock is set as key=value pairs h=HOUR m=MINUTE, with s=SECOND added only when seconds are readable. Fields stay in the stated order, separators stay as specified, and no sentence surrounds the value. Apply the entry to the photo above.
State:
h=11 m=43
